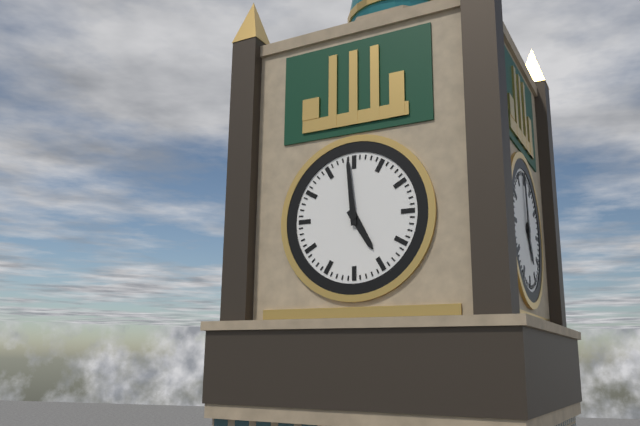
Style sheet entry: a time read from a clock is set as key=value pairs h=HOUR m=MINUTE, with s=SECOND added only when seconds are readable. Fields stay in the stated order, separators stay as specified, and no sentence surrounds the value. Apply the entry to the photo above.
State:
h=4 m=59
